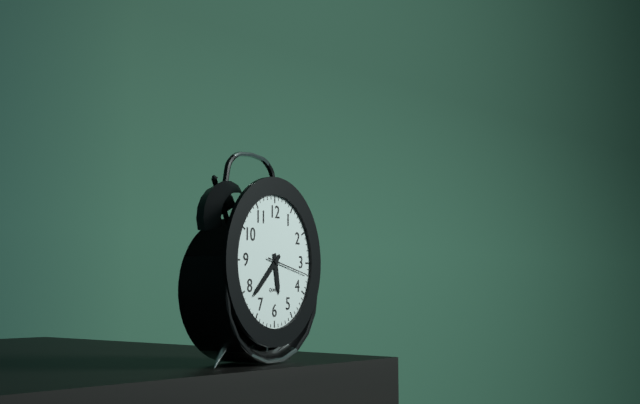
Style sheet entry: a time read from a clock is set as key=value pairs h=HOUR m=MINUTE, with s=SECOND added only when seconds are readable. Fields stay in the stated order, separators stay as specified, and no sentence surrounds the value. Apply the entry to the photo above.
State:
h=5 m=38
